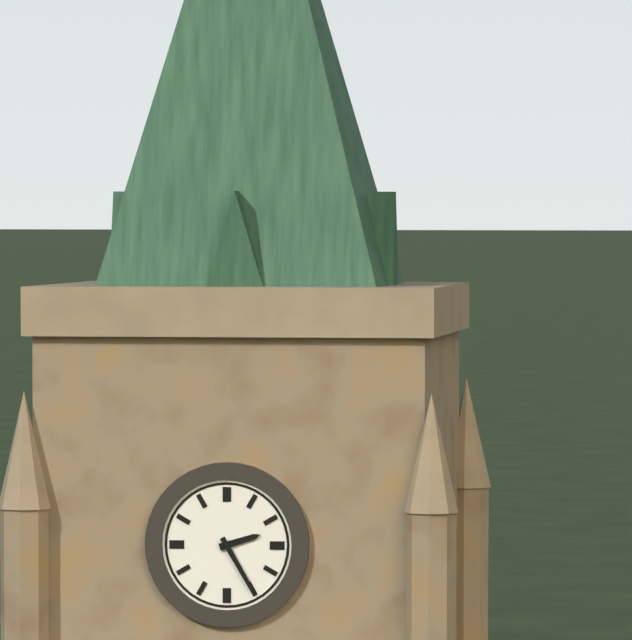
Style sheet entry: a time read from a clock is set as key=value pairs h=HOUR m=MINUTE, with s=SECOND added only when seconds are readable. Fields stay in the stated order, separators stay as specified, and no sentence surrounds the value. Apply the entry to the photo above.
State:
h=2 m=25
